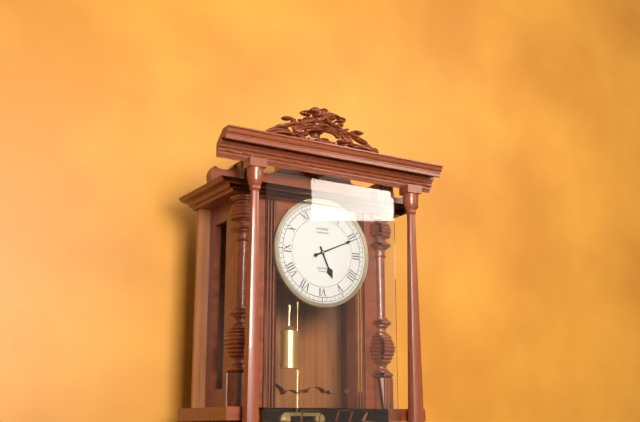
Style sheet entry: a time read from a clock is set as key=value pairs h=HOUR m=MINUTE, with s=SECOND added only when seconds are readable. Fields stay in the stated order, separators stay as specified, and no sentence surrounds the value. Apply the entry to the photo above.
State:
h=5 m=11
